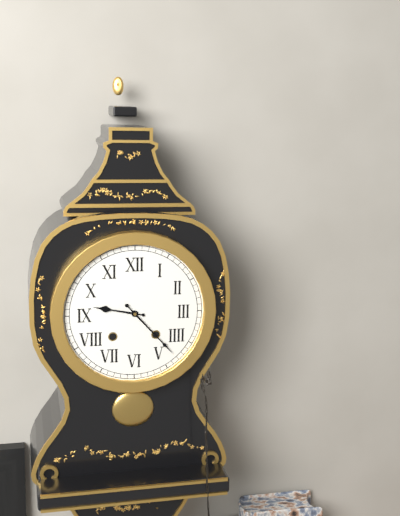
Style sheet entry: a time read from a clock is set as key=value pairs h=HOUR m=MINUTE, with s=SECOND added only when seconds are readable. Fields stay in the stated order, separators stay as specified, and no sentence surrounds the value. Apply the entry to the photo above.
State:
h=9 m=23
